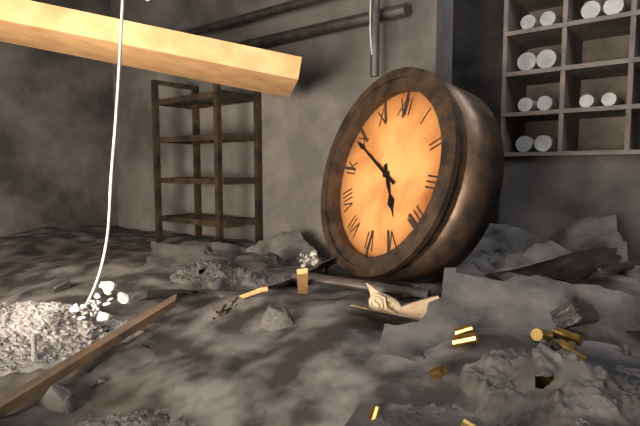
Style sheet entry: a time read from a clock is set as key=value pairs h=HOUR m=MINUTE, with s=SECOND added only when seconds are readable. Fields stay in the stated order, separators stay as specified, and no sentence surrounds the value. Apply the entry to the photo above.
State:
h=4 m=49
